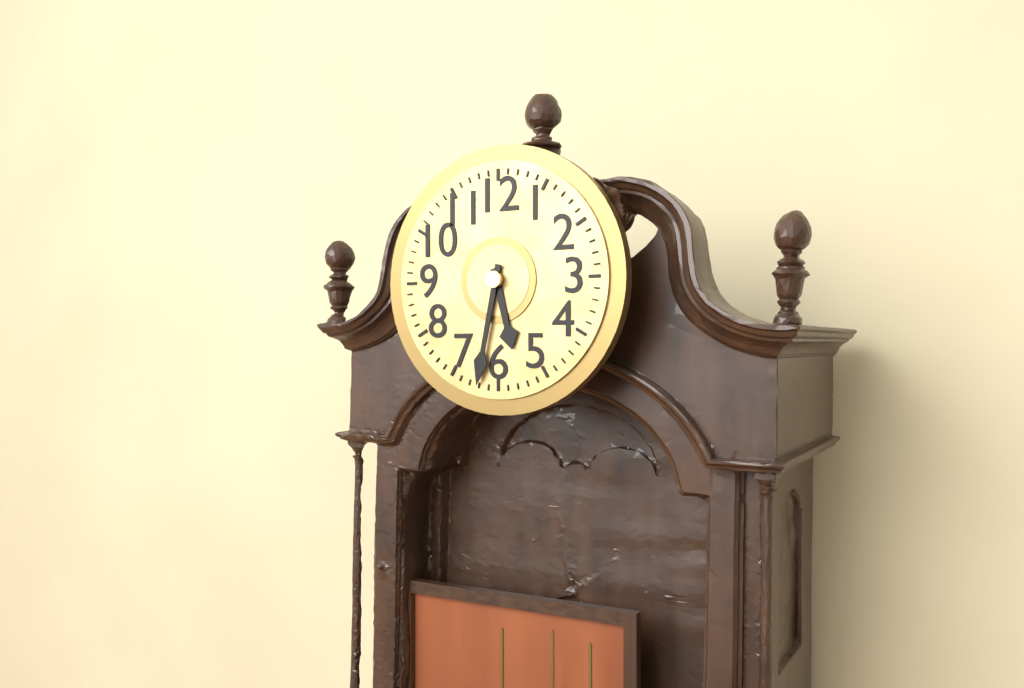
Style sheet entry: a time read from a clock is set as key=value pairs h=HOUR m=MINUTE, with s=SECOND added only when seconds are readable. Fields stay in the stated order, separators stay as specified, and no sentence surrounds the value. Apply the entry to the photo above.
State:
h=5 m=32
